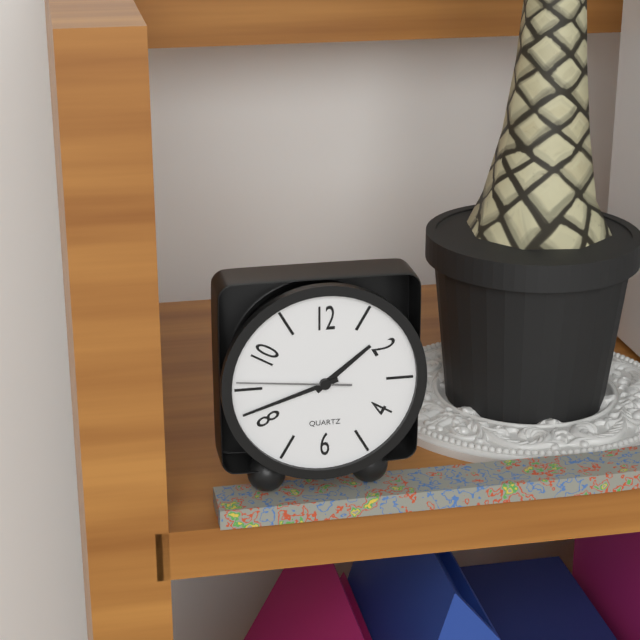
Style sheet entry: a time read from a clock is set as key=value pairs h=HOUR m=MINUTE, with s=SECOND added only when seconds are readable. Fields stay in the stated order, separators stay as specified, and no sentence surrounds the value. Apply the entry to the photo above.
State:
h=1 m=42 s=46
